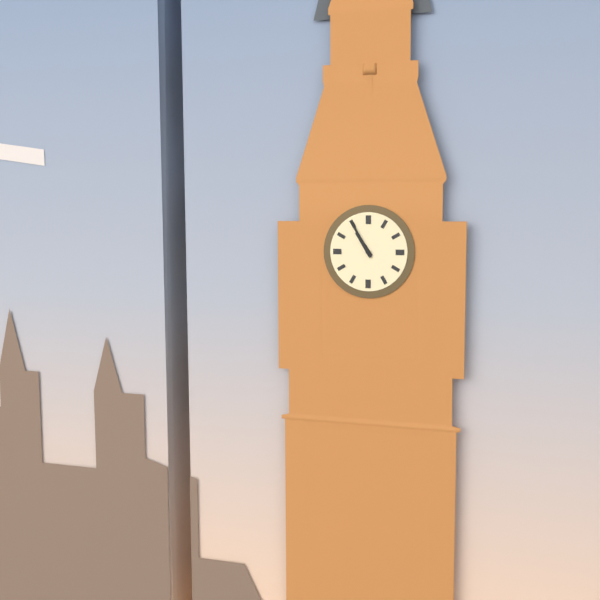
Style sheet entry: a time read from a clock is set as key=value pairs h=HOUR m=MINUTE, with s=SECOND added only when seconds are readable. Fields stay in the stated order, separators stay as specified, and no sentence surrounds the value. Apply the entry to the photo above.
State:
h=10 m=55
